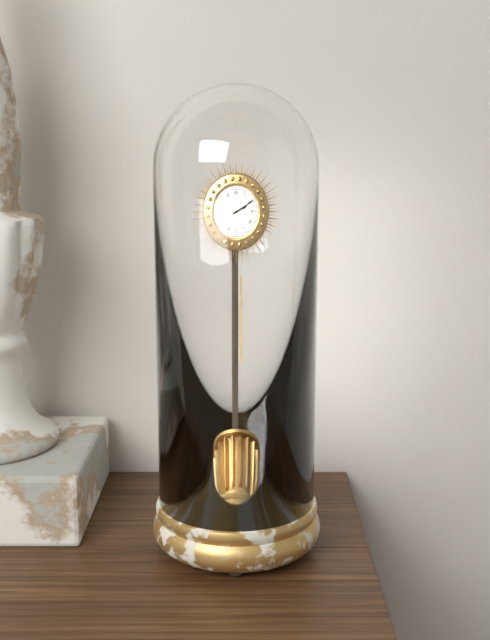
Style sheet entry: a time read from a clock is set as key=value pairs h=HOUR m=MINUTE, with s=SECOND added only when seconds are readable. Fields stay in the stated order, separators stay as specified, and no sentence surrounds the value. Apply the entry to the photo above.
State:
h=2 m=10
